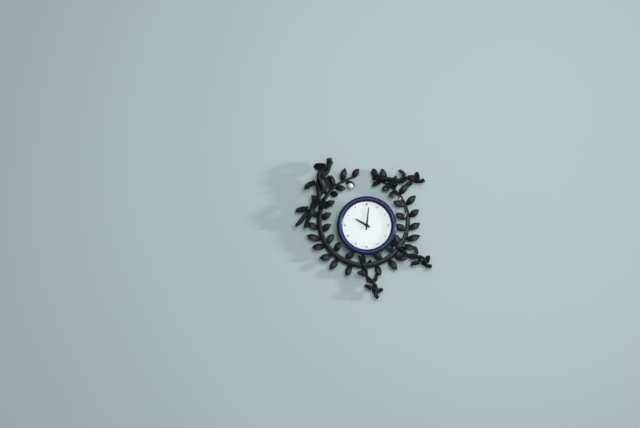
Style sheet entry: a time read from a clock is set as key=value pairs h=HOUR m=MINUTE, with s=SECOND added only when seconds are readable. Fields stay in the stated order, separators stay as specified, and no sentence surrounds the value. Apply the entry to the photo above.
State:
h=10 m=1
